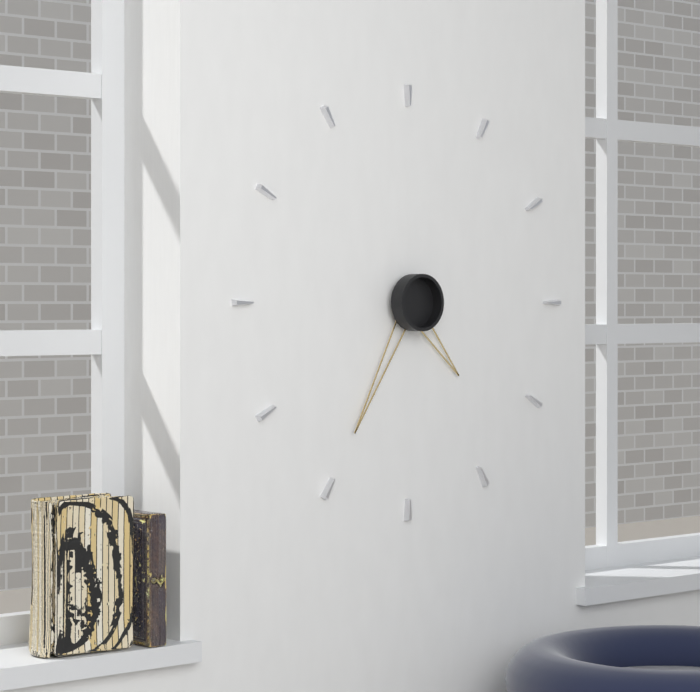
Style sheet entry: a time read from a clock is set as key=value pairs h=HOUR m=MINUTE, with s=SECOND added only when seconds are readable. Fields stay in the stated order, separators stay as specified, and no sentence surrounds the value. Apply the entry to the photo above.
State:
h=4 m=35
